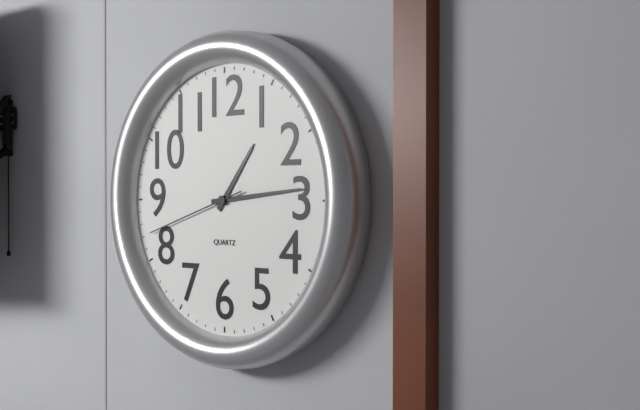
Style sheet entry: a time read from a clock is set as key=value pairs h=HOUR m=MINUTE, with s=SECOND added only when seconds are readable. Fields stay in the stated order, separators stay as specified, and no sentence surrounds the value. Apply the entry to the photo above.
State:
h=1 m=14 s=42
